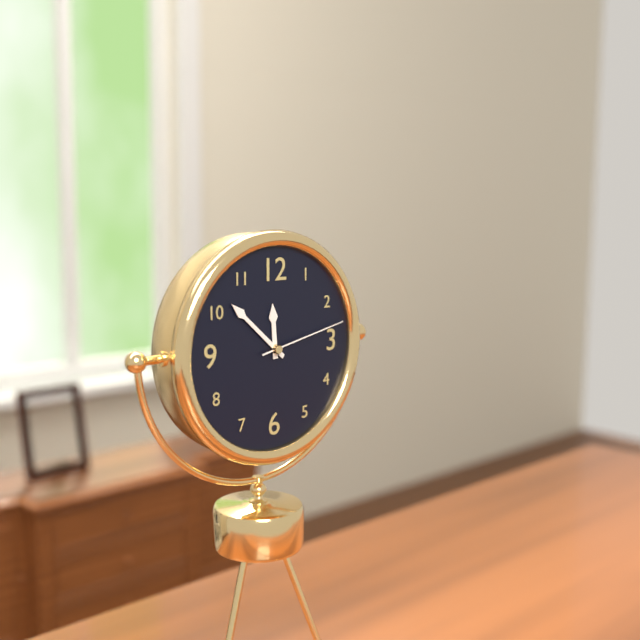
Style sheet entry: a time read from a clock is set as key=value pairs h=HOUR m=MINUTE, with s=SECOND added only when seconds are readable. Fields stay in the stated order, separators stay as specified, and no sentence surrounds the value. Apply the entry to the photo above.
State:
h=11 m=52 s=13
